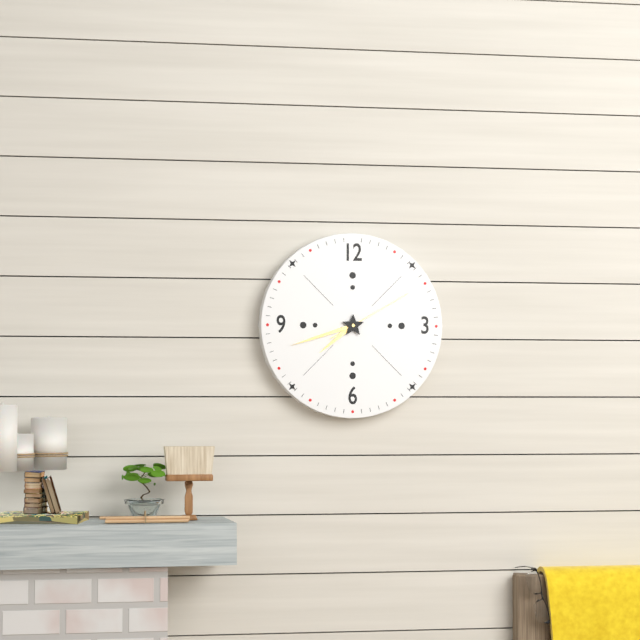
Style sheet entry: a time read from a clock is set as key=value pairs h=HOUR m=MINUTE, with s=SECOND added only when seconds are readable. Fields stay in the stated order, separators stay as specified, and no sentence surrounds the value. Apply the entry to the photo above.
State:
h=7 m=42 s=10
